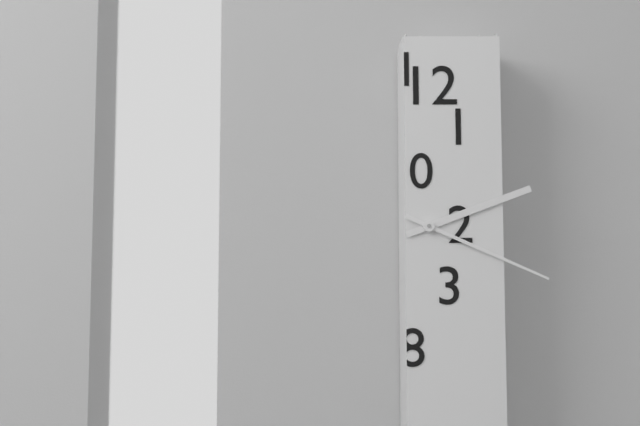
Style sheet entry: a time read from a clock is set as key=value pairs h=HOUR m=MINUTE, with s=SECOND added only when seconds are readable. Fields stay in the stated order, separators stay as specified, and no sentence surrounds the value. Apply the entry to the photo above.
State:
h=2 m=19
